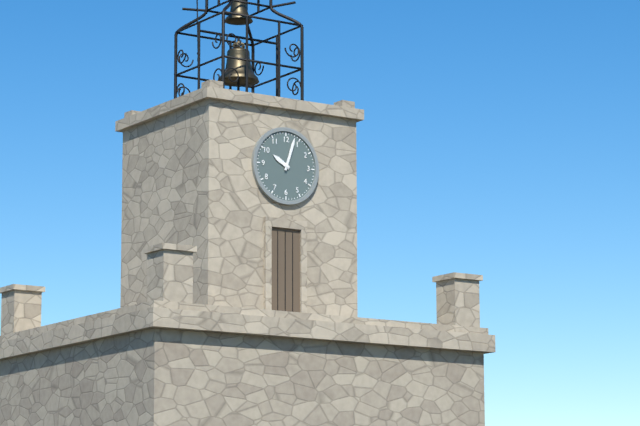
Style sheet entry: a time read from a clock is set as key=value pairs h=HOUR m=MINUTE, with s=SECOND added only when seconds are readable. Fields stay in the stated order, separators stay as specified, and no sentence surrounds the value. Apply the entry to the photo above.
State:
h=10 m=3
